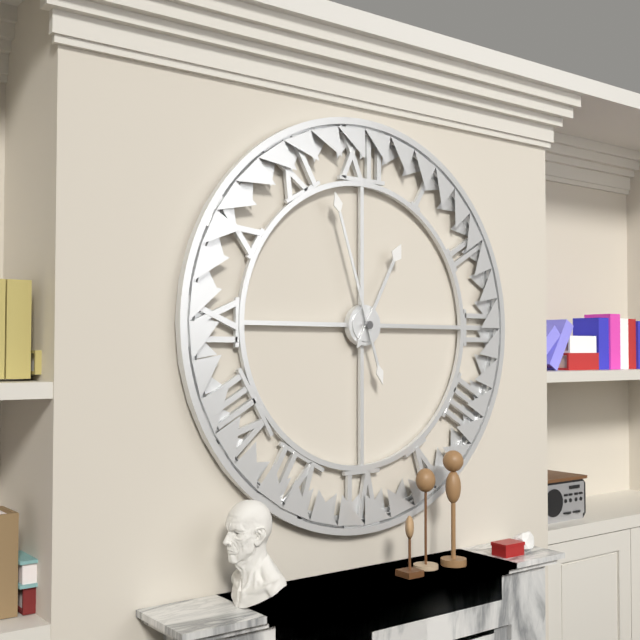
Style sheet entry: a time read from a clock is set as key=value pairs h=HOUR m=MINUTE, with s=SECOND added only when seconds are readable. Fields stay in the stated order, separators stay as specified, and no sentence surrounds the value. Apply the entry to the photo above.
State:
h=12 m=57
